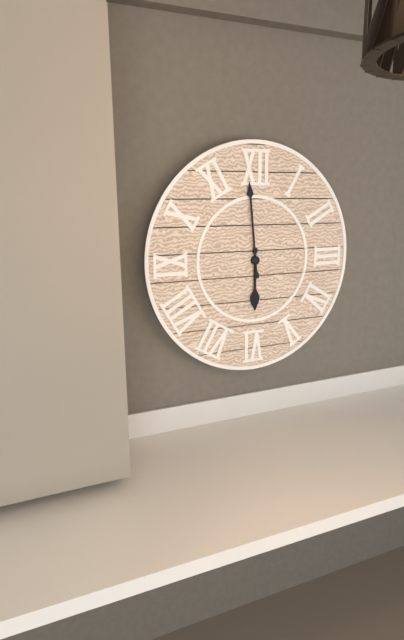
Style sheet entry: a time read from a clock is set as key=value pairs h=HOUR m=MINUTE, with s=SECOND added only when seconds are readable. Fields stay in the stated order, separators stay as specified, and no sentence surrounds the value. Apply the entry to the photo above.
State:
h=5 m=59
